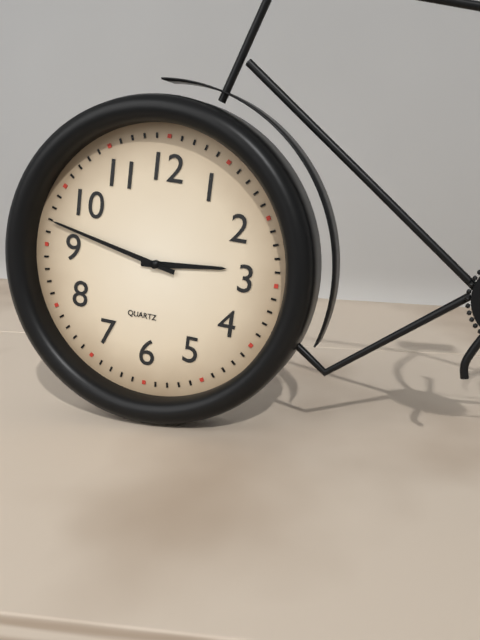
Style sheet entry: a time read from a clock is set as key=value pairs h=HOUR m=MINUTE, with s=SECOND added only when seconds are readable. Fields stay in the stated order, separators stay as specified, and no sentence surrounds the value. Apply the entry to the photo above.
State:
h=2 m=47
